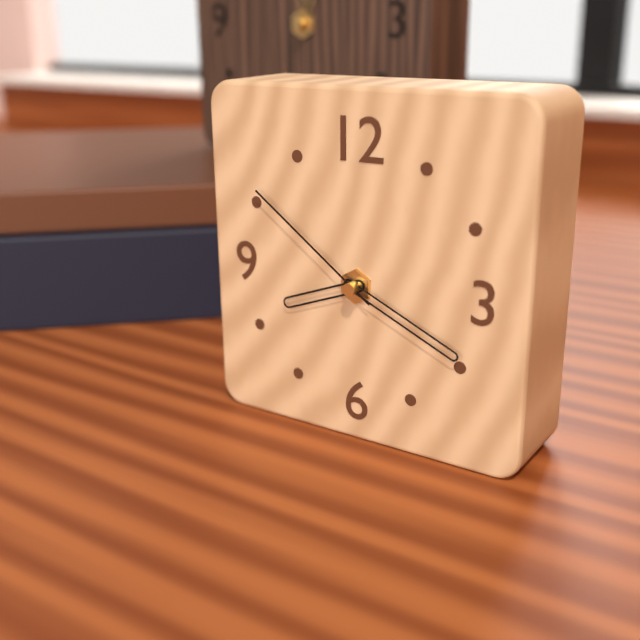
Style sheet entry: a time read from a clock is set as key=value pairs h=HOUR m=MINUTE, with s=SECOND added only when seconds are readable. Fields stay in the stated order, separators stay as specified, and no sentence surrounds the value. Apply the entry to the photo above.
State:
h=8 m=19 s=51
